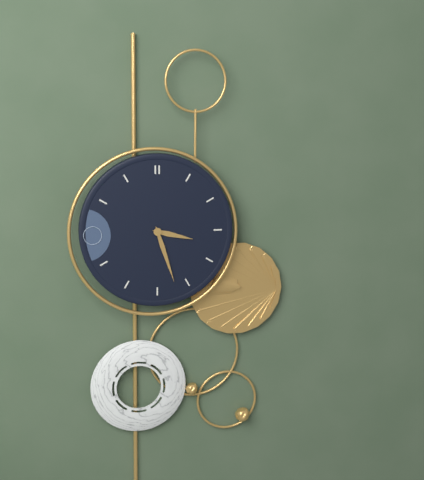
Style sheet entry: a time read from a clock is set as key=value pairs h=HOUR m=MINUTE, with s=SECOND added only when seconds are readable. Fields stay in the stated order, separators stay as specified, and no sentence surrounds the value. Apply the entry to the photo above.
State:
h=3 m=27
